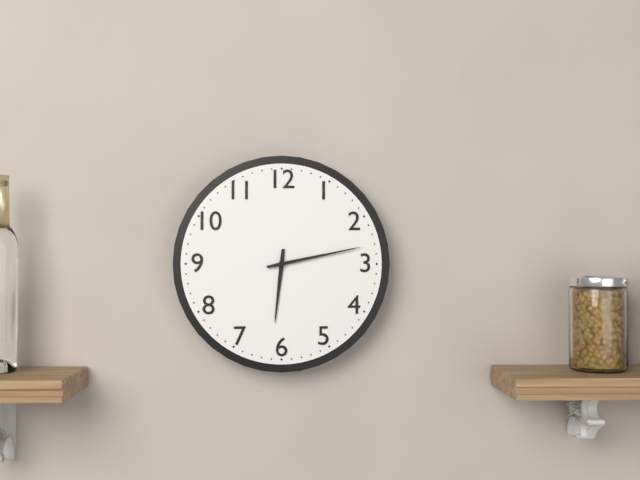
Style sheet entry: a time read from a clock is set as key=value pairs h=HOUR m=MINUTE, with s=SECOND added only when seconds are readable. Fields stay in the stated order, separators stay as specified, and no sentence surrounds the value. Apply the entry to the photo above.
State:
h=6 m=13
